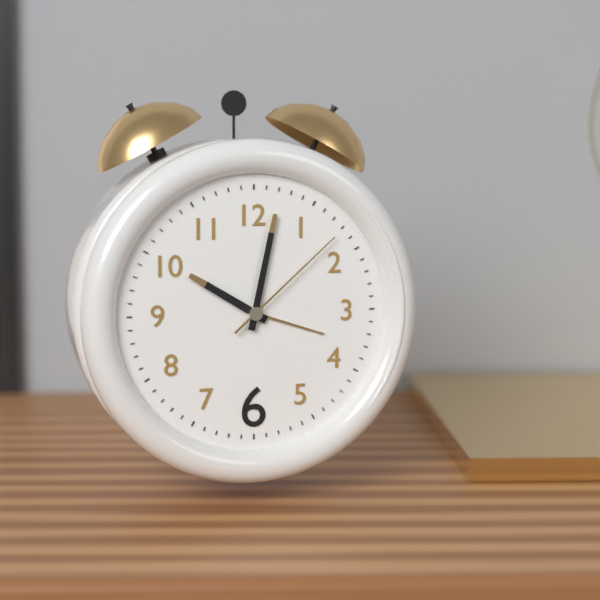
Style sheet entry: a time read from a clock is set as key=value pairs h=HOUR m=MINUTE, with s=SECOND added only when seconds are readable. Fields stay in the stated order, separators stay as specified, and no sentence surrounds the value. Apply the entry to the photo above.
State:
h=10 m=2 s=8
